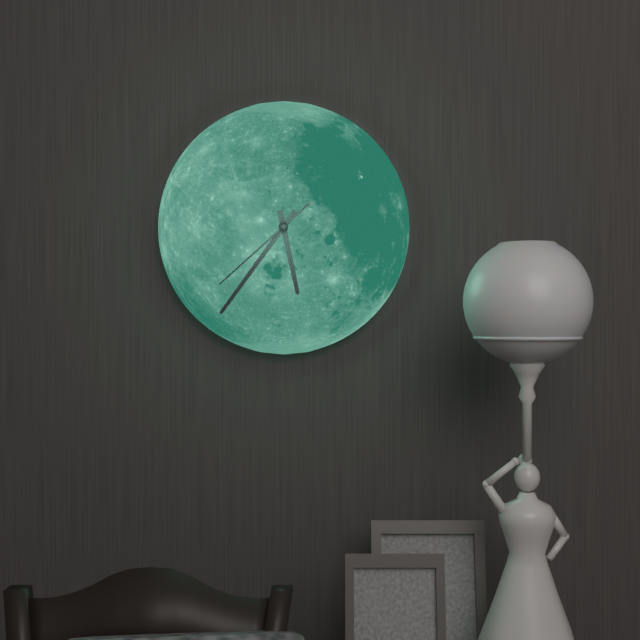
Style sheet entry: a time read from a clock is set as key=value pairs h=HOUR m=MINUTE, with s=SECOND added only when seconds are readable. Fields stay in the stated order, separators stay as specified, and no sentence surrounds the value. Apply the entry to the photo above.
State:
h=5 m=36 s=38
